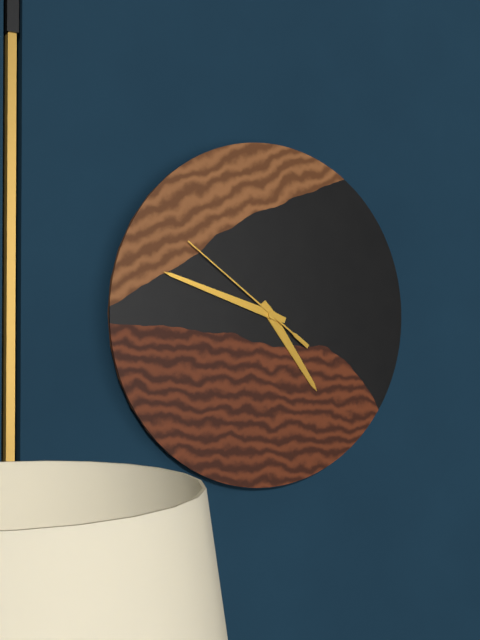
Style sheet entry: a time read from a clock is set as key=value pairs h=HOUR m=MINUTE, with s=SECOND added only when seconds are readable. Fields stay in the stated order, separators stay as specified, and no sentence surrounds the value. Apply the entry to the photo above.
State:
h=4 m=48 s=51
